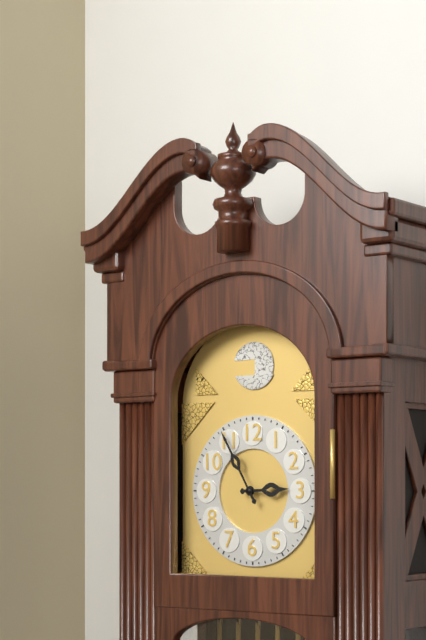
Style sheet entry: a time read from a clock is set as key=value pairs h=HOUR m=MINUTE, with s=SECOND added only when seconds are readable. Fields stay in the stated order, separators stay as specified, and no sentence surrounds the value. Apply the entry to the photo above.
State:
h=2 m=55
